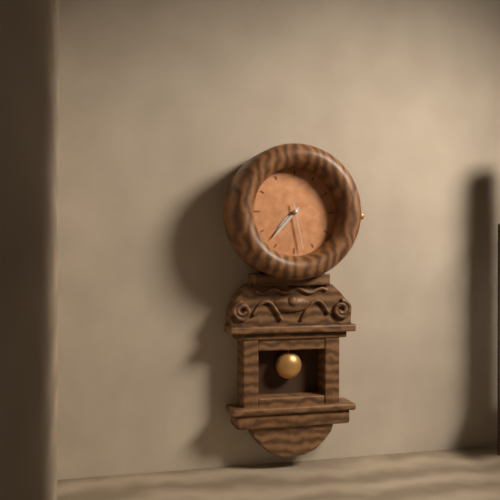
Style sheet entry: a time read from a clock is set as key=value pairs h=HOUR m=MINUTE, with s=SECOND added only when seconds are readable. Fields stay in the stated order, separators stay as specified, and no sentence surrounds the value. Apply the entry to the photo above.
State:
h=7 m=37 s=28
